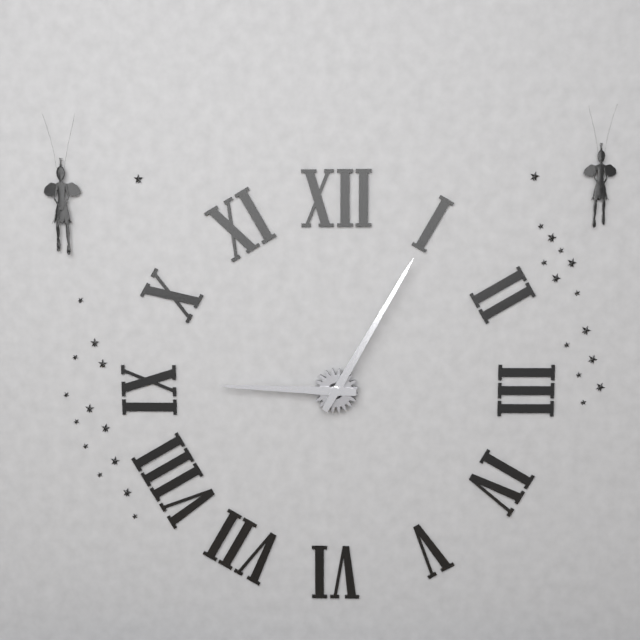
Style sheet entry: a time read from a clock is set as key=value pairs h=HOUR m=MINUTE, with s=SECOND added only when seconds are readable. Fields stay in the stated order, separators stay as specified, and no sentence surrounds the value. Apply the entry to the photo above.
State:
h=9 m=5
